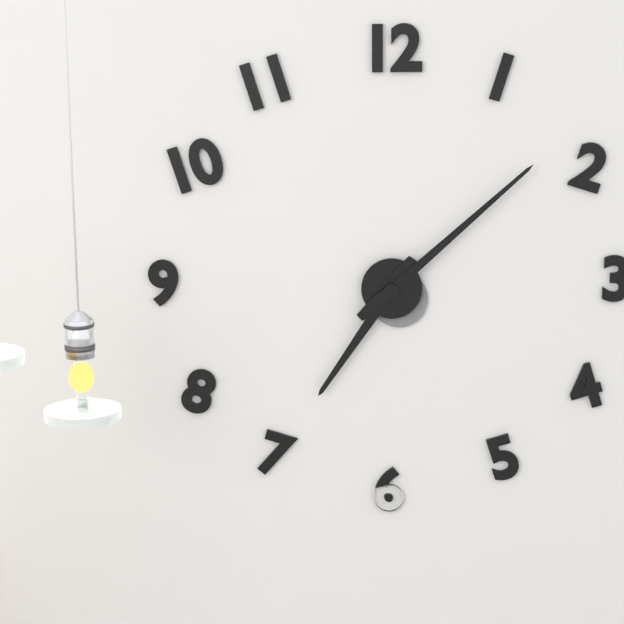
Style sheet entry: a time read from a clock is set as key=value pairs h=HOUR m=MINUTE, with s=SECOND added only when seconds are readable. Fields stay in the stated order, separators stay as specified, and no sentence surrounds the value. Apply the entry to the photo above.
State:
h=7 m=8
